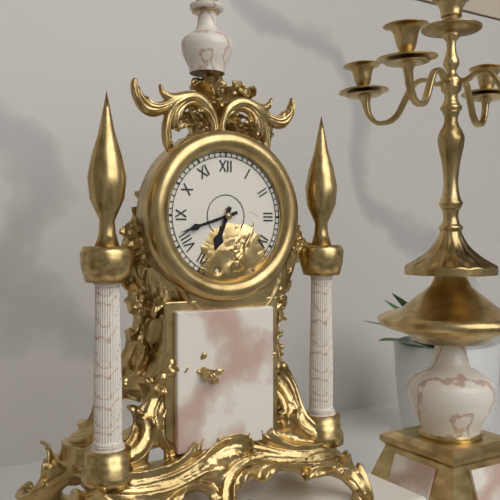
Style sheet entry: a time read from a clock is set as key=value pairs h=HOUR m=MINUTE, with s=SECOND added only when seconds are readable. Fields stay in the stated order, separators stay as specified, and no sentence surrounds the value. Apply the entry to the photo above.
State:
h=6 m=42
